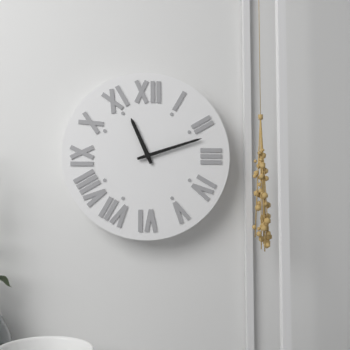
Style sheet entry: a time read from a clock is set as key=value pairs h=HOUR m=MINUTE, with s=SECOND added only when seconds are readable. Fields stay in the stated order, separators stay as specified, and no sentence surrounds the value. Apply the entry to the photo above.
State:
h=11 m=12
